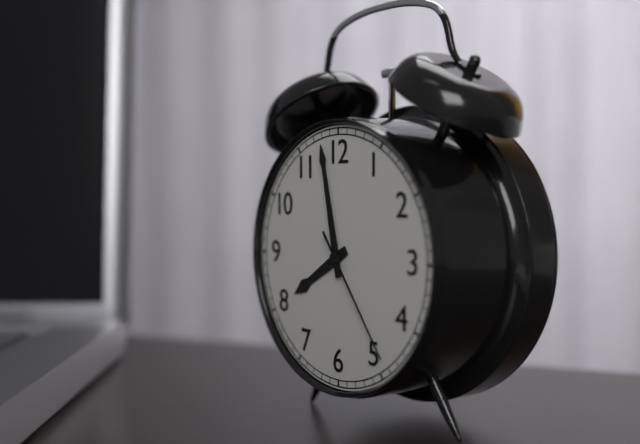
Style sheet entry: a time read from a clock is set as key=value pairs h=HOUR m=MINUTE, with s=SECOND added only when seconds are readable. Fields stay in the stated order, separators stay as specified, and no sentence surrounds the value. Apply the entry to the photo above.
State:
h=7 m=58 s=24
